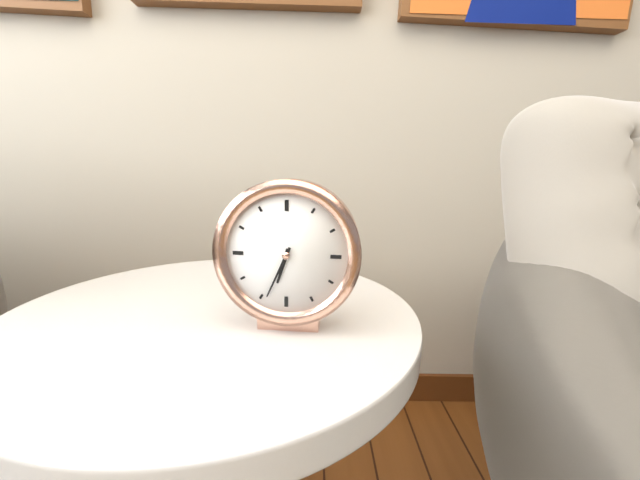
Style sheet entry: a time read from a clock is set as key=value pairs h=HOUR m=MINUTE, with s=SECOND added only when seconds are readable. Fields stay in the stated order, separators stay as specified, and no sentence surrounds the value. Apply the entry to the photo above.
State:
h=6 m=34
